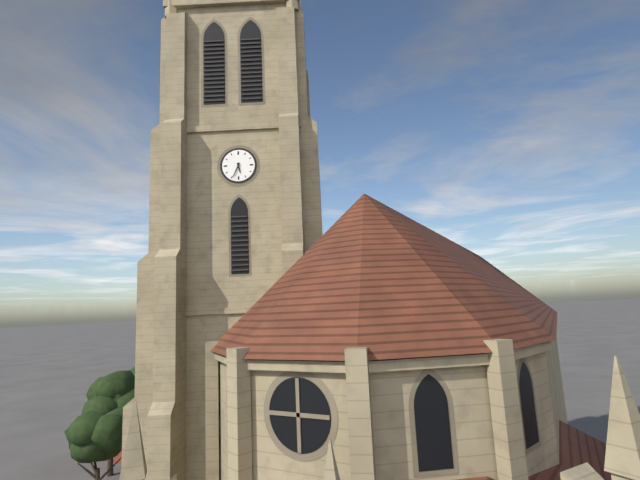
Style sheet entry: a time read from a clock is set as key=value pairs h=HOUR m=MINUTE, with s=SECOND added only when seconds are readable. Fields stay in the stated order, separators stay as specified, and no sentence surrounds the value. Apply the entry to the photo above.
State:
h=5 m=34
